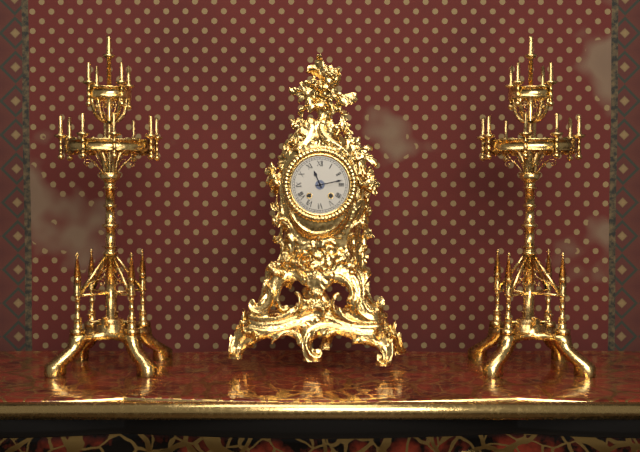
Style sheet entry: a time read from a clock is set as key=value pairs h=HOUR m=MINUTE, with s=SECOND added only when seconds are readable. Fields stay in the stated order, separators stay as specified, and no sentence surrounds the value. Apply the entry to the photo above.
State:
h=11 m=13
